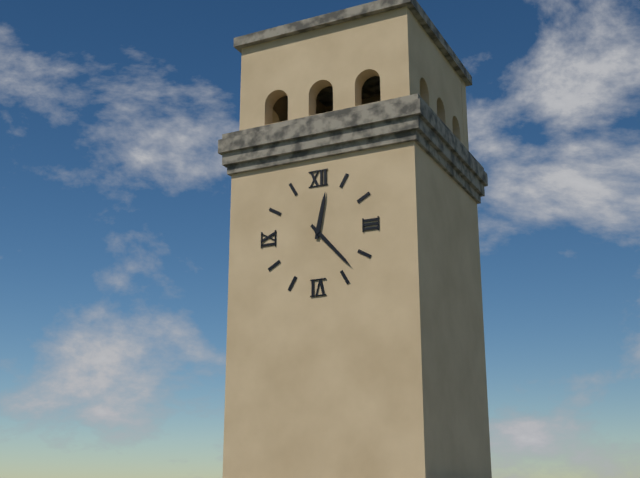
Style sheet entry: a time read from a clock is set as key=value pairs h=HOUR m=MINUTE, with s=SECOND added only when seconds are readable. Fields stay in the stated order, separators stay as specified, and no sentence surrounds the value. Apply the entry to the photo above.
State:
h=12 m=23
